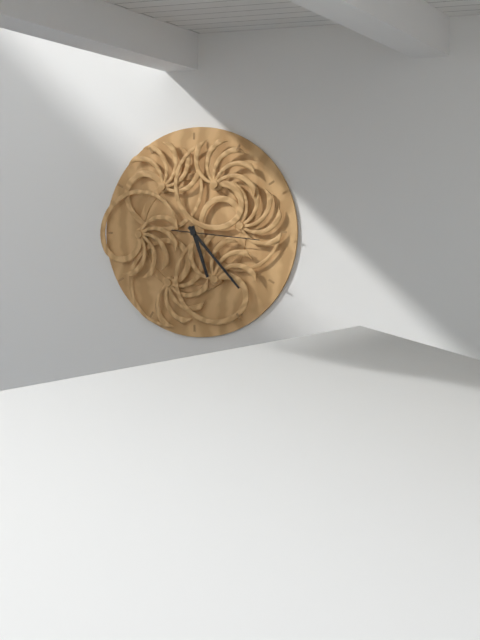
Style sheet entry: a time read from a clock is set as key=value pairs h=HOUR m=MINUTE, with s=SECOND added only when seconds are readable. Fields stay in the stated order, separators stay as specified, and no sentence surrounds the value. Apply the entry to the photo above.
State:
h=5 m=23 s=16
